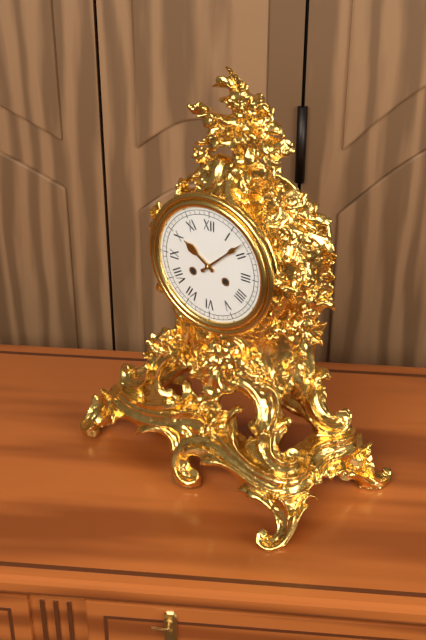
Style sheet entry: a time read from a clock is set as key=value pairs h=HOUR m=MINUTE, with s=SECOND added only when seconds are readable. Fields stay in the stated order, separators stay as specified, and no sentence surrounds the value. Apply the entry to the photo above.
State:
h=10 m=8
